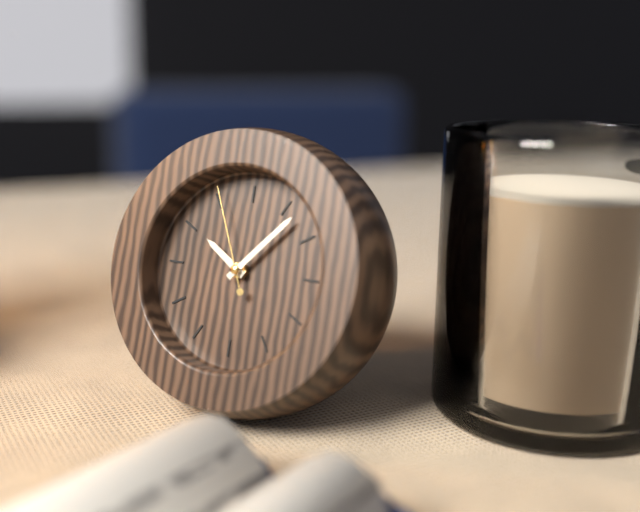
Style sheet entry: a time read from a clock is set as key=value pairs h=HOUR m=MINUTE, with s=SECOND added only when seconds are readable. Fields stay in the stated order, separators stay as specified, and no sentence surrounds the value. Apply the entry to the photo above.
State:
h=10 m=7 s=56
